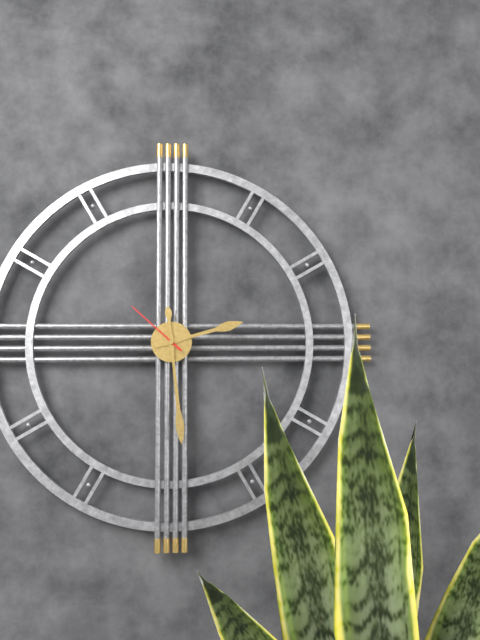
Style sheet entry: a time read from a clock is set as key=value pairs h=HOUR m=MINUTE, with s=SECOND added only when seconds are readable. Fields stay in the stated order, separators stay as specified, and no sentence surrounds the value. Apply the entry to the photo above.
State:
h=2 m=29 s=52
